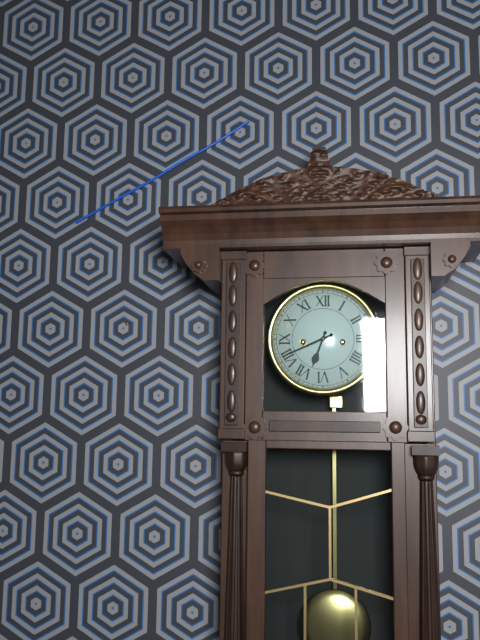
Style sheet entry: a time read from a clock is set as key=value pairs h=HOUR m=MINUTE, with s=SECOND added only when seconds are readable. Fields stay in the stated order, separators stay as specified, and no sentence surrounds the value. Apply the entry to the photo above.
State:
h=6 m=41
